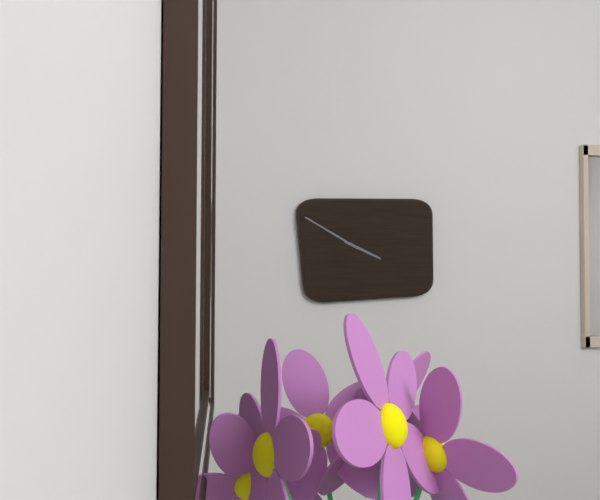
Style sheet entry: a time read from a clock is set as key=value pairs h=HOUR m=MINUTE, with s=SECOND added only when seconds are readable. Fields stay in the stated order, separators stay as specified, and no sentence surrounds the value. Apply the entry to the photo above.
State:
h=3 m=50
